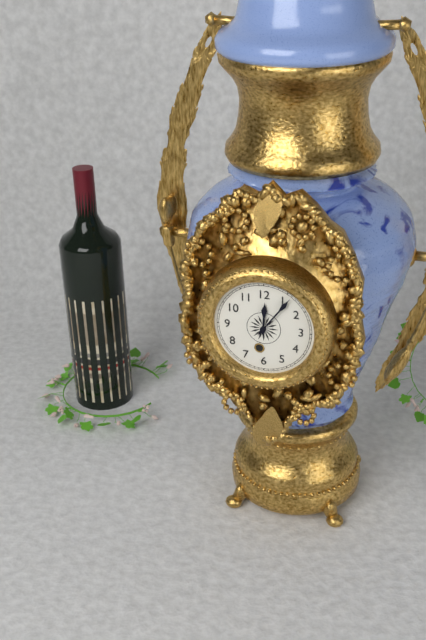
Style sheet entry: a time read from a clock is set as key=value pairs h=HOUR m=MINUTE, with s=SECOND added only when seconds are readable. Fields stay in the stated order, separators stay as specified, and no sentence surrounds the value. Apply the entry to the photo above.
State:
h=12 m=6
